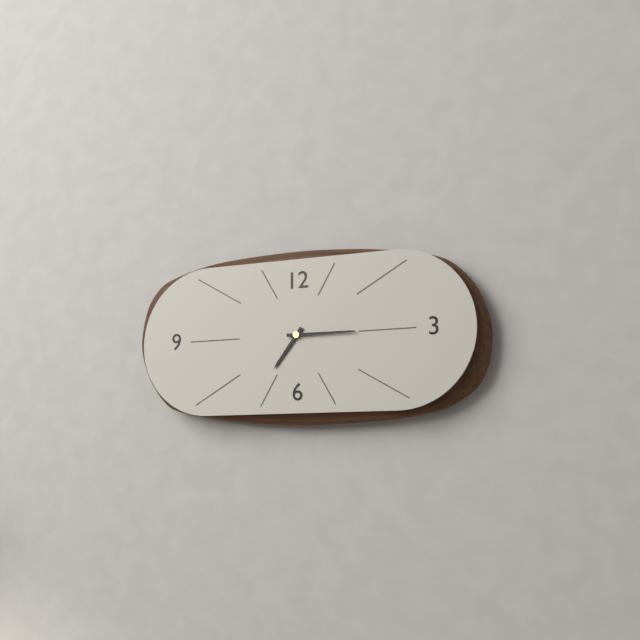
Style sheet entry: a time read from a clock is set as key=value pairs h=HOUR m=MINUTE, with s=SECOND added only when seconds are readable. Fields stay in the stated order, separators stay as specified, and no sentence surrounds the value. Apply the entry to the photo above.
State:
h=7 m=15
